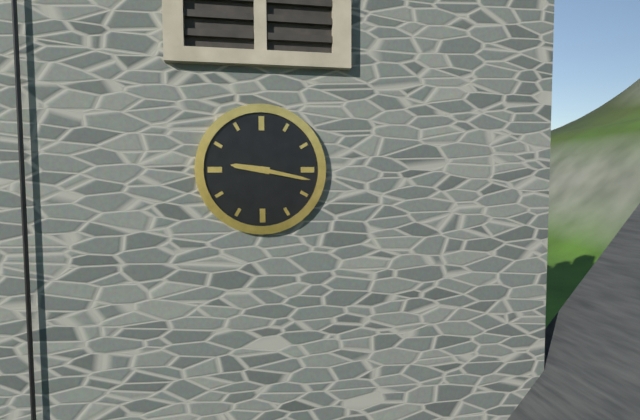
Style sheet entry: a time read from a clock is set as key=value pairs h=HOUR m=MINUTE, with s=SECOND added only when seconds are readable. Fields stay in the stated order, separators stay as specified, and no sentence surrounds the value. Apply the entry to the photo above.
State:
h=9 m=17
